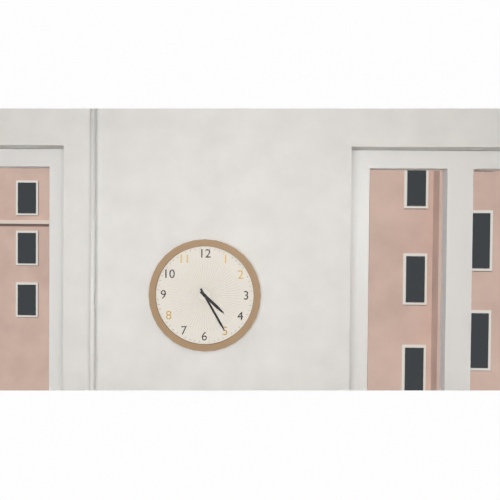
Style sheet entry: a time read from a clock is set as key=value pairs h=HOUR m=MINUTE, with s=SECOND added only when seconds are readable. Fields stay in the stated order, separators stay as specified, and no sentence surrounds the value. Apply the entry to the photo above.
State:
h=4 m=25
